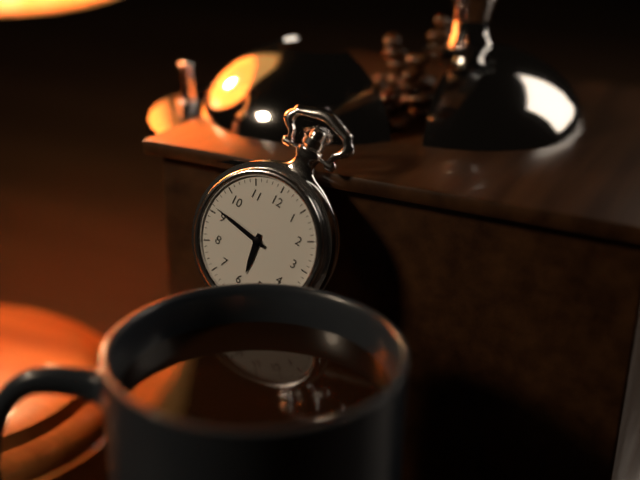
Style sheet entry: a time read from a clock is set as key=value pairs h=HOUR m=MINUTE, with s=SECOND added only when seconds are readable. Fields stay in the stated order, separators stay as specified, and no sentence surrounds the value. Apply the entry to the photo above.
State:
h=5 m=46
